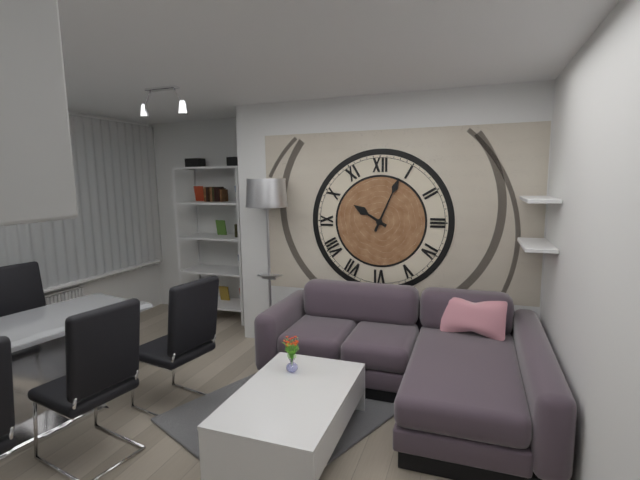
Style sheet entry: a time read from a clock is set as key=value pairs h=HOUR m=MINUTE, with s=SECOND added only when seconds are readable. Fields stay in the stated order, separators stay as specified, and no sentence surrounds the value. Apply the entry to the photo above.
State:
h=10 m=4
